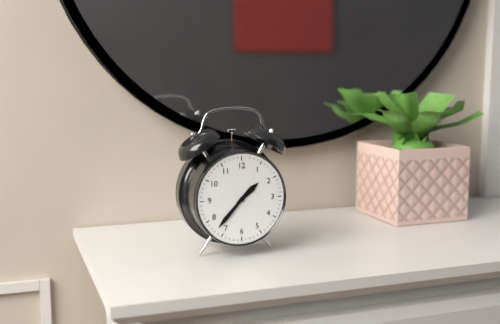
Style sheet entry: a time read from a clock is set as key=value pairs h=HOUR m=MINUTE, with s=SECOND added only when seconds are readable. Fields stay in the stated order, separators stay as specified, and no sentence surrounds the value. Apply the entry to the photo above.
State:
h=1 m=37
